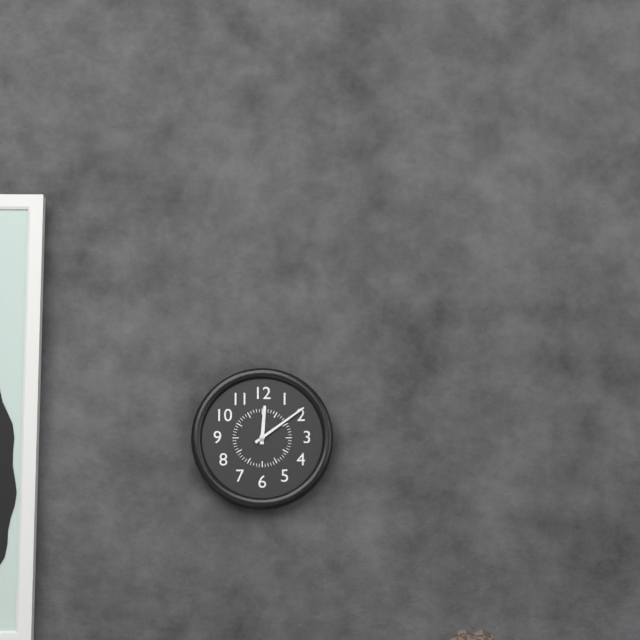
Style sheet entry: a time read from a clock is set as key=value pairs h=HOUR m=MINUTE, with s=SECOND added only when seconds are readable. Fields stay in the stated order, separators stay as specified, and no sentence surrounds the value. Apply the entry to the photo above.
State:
h=12 m=9
